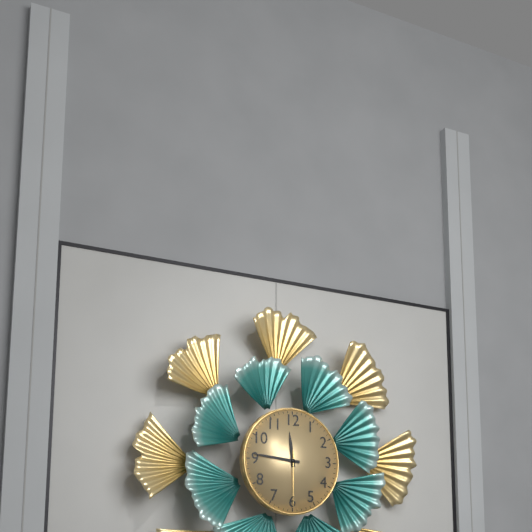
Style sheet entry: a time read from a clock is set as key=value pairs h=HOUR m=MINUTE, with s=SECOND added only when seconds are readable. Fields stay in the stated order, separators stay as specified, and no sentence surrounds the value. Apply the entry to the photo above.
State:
h=11 m=46 s=30
